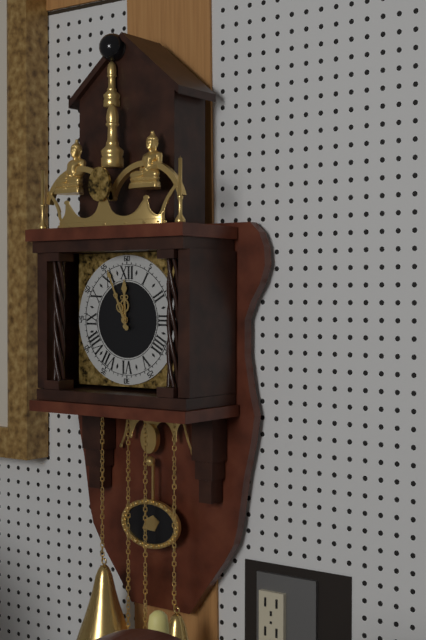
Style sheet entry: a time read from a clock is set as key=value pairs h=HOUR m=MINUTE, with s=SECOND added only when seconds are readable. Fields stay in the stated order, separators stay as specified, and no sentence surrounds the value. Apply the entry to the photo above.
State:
h=11 m=56
